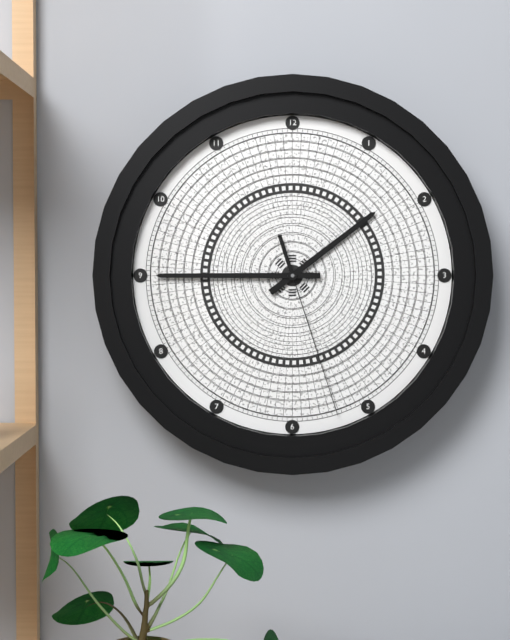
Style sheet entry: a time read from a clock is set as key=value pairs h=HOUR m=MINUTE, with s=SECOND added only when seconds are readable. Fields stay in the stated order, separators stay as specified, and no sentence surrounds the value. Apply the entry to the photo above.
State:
h=1 m=45 s=27
